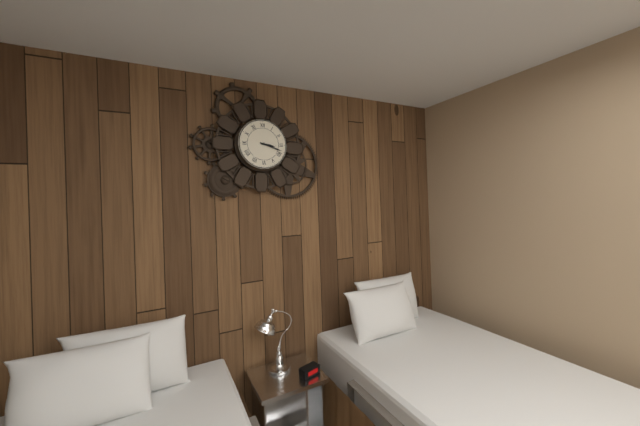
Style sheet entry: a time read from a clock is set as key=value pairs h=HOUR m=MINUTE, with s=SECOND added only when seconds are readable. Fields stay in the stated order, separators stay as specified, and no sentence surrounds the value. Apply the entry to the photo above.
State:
h=3 m=18
